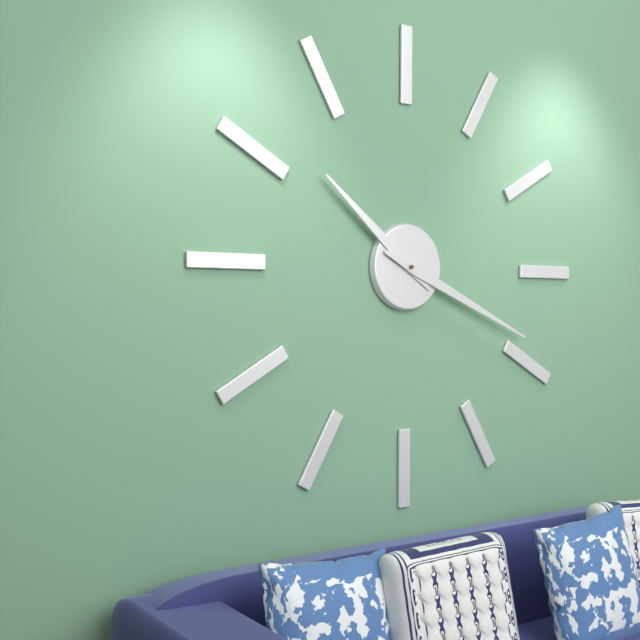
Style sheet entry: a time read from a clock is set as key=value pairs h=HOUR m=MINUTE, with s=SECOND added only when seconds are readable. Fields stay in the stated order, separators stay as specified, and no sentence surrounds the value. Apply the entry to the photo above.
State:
h=10 m=19
